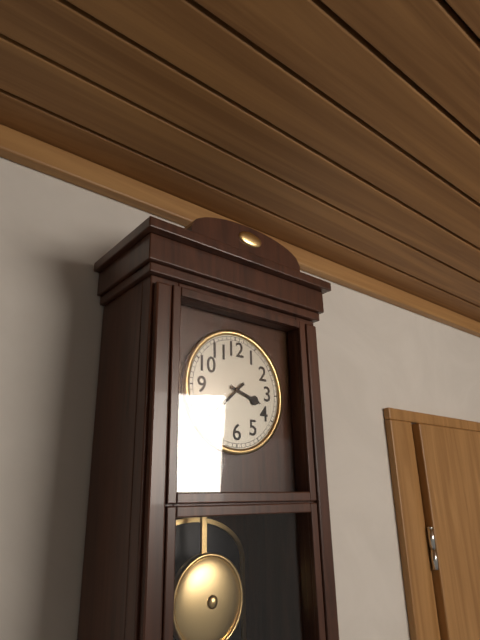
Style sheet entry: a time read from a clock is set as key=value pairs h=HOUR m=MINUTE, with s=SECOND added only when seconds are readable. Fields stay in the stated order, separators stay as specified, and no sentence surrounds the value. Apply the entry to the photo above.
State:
h=3 m=38
